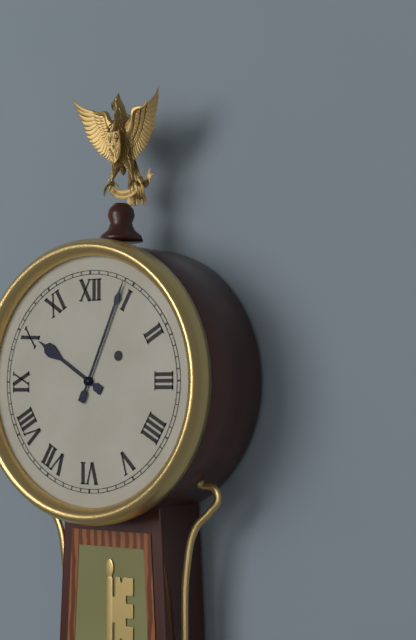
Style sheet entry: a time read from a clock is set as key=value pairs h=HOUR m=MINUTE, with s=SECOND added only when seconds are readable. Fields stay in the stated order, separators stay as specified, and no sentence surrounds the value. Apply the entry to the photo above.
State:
h=10 m=4
